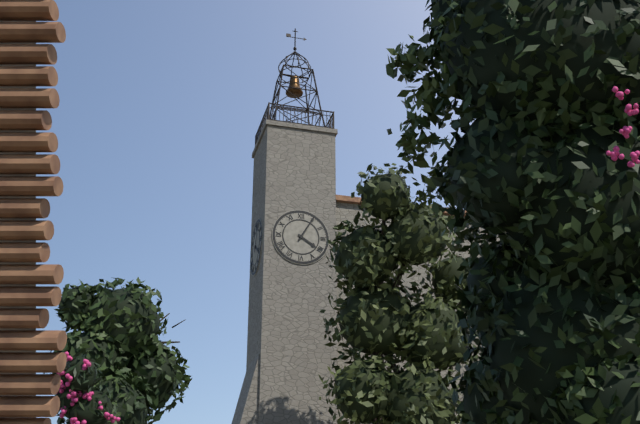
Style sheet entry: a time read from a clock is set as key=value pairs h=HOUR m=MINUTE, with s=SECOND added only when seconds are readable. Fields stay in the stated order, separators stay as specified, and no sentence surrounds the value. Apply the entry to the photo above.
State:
h=4 m=5
